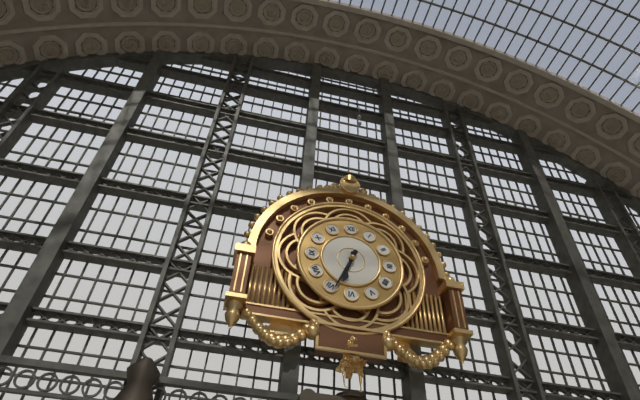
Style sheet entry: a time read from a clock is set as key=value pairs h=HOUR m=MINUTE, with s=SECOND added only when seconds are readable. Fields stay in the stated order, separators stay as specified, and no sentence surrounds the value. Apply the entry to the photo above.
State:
h=6 m=34
